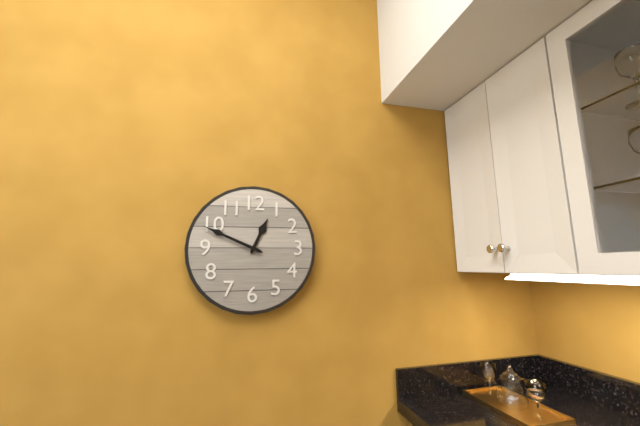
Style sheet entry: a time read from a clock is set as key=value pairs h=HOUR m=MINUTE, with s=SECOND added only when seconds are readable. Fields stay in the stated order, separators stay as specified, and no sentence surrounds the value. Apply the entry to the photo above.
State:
h=12 m=49
